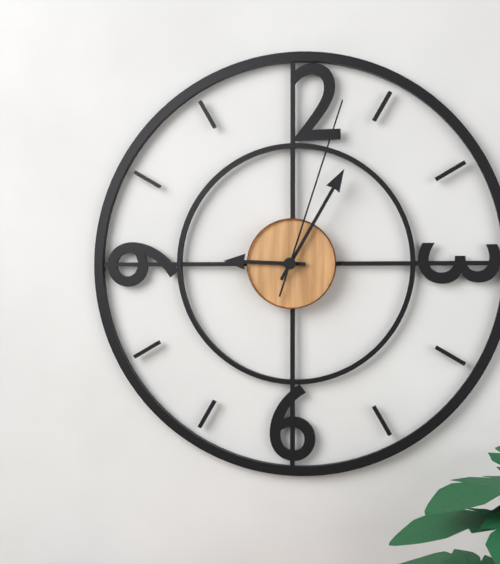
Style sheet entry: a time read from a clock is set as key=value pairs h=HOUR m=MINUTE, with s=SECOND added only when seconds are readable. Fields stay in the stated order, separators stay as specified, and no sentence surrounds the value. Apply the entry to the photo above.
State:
h=9 m=5 s=3
